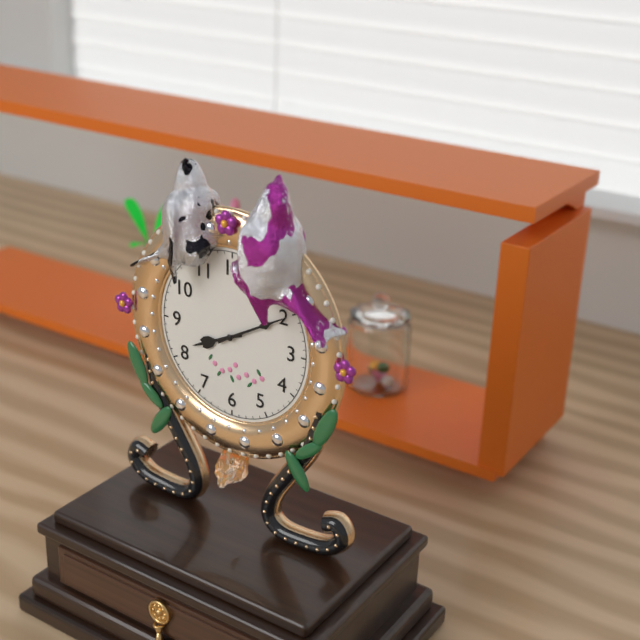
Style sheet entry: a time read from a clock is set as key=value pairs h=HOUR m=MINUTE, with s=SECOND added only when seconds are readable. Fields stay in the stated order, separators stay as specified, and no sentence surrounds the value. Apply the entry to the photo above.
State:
h=8 m=10
